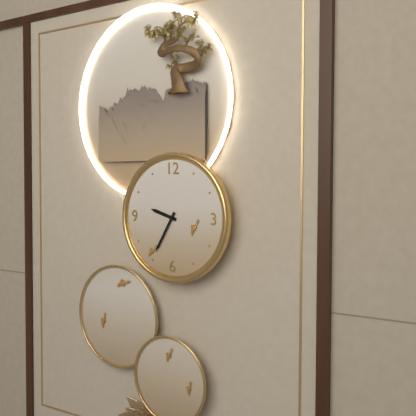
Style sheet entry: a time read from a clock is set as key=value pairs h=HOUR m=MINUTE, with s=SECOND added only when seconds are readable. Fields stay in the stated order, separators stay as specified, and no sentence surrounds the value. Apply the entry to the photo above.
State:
h=9 m=35
